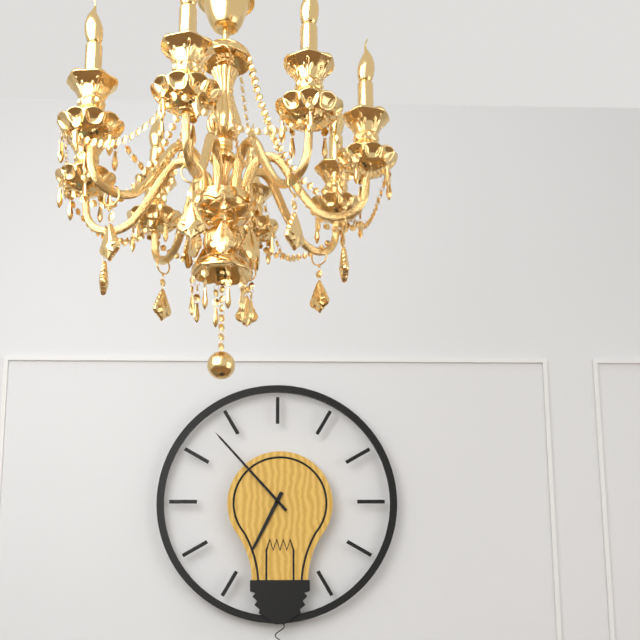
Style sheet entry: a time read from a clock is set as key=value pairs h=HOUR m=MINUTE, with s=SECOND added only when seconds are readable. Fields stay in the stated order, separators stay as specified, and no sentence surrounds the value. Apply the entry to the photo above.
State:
h=6 m=53
